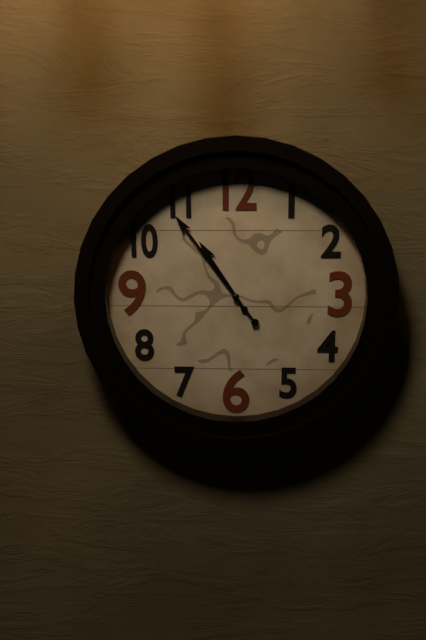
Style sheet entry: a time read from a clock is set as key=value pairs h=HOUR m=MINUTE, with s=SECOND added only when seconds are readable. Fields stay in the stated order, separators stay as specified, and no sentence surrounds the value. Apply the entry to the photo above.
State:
h=10 m=54
